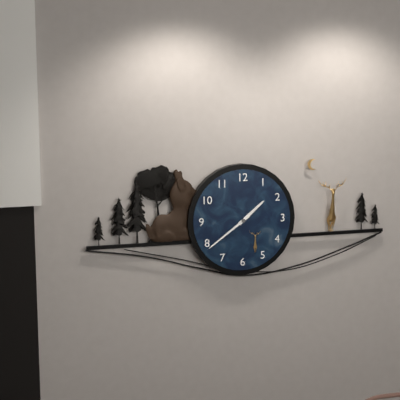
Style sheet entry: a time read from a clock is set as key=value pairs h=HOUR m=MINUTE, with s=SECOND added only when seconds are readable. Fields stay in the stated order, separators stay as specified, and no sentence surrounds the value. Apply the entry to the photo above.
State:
h=1 m=39
